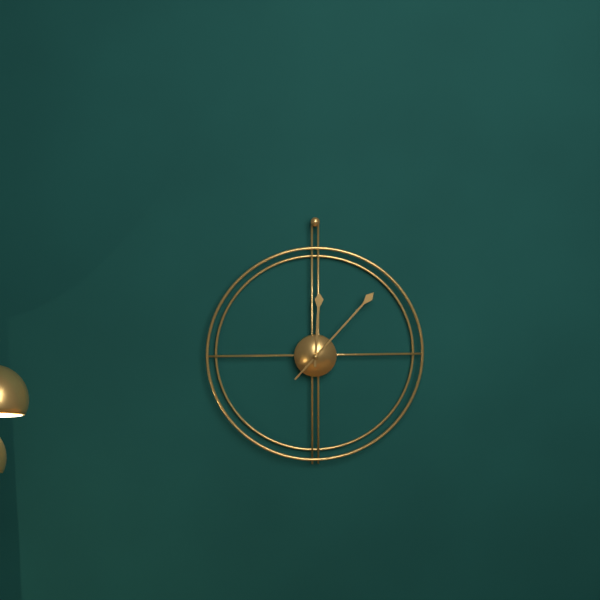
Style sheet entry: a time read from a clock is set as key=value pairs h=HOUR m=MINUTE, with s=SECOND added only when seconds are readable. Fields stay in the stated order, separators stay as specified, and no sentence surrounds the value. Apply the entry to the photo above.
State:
h=12 m=7
